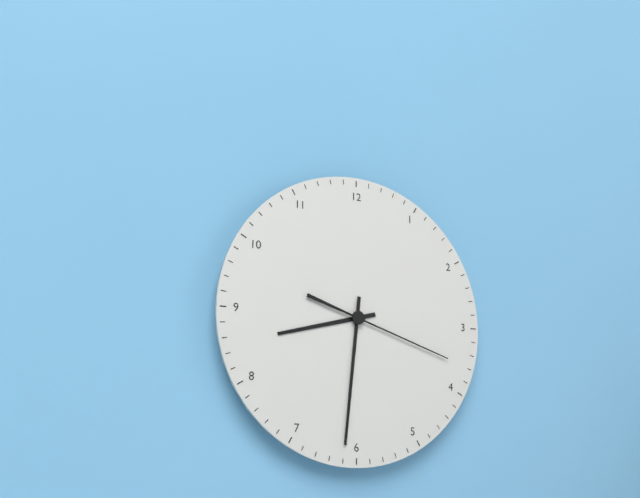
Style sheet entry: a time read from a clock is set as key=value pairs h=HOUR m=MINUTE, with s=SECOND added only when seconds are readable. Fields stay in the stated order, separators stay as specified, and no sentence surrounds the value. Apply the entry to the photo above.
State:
h=8 m=31 s=18
